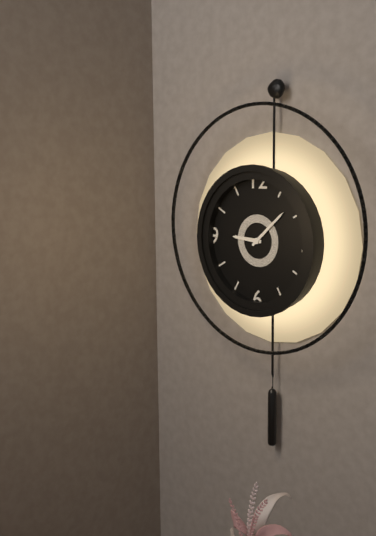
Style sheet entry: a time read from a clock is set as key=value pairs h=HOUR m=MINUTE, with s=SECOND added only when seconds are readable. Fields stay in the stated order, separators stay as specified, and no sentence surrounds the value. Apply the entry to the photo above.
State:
h=9 m=8
